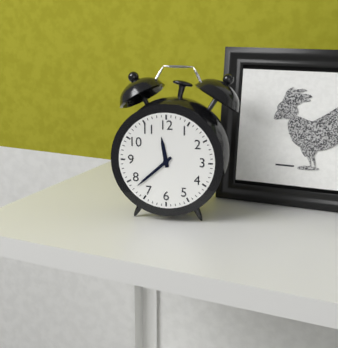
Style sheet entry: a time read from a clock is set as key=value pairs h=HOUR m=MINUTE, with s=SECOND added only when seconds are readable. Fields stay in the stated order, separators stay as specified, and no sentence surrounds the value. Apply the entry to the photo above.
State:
h=11 m=38
